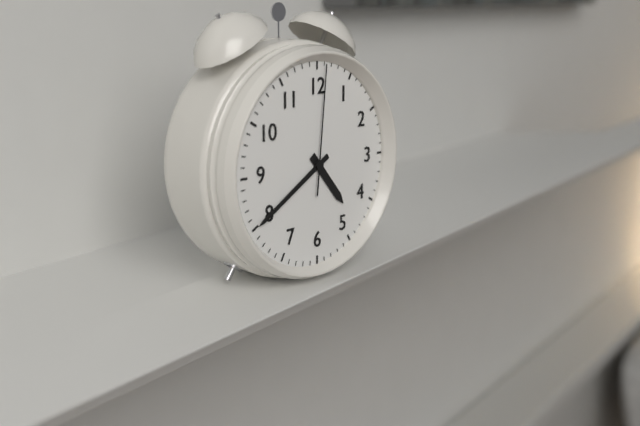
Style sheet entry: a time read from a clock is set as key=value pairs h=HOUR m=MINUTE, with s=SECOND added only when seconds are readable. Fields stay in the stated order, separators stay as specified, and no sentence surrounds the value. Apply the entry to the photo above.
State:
h=4 m=40 s=1
